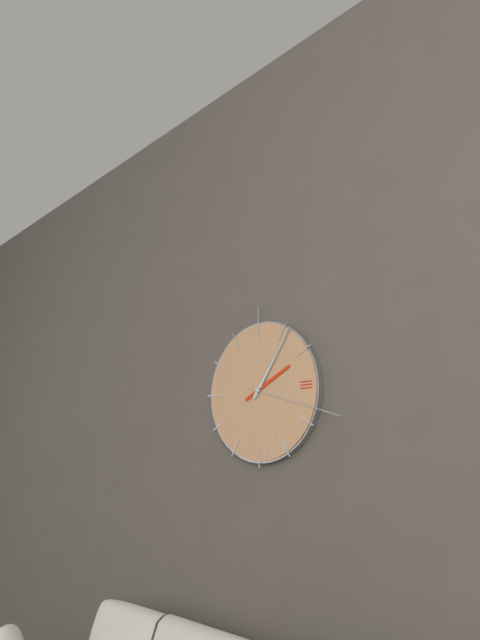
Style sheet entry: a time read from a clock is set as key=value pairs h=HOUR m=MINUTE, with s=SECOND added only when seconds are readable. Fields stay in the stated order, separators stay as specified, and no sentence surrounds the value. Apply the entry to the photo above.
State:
h=2 m=6 s=18
